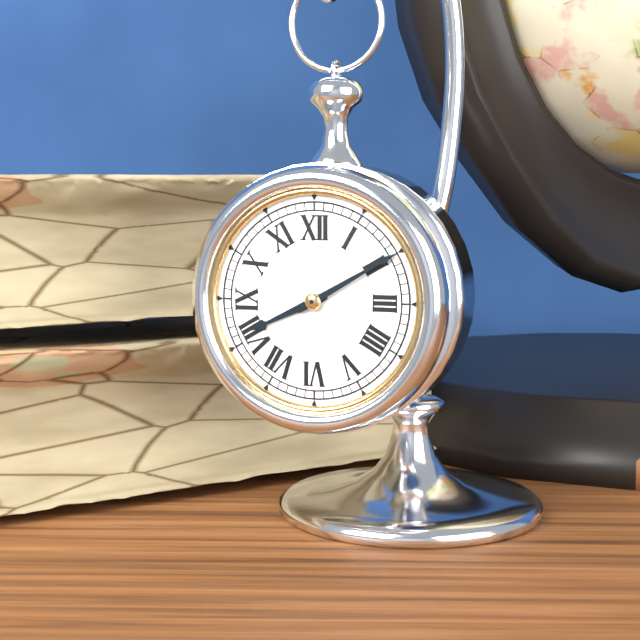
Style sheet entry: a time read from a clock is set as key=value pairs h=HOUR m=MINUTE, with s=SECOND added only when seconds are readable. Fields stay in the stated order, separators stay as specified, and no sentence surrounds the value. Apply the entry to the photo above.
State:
h=8 m=10
